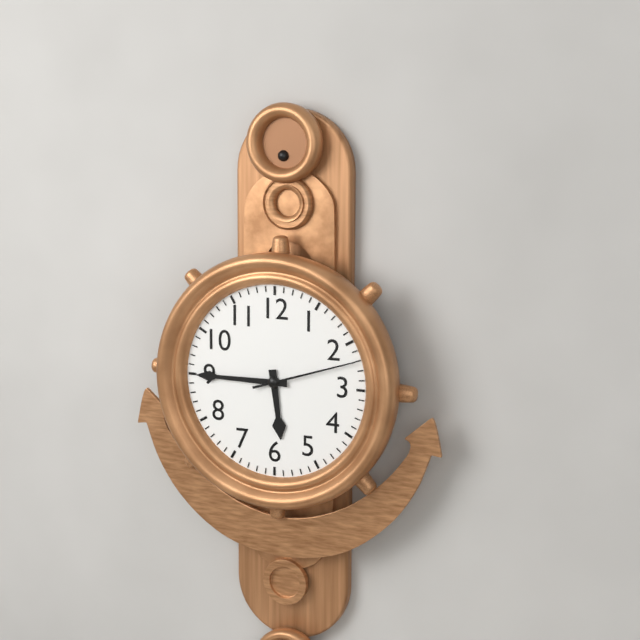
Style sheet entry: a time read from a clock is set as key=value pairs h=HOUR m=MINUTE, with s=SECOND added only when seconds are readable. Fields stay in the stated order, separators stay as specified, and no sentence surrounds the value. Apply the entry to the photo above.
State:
h=5 m=45 s=12
